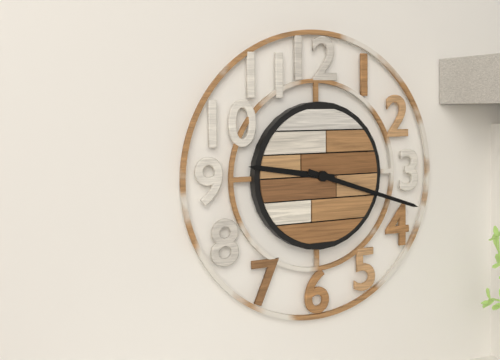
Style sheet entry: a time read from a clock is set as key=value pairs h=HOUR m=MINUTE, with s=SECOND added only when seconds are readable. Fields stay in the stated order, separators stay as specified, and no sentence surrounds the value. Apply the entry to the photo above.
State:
h=9 m=18
